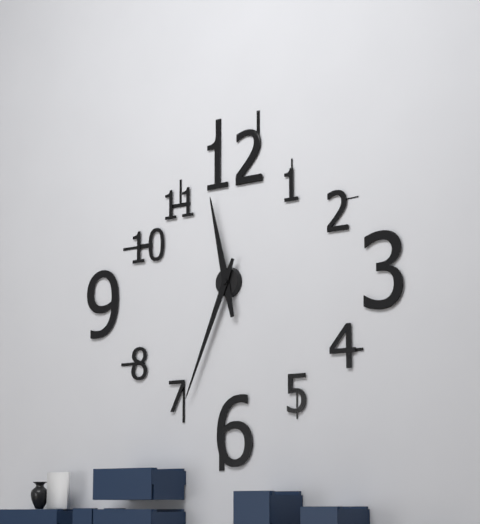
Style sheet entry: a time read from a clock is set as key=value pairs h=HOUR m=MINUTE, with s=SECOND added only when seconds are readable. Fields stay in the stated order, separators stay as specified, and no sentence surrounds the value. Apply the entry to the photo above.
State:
h=11 m=34
